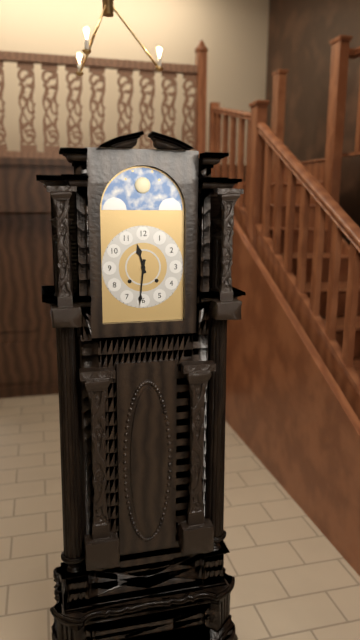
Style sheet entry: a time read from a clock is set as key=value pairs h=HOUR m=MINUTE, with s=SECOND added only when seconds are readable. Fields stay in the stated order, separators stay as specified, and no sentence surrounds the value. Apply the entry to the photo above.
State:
h=11 m=31
